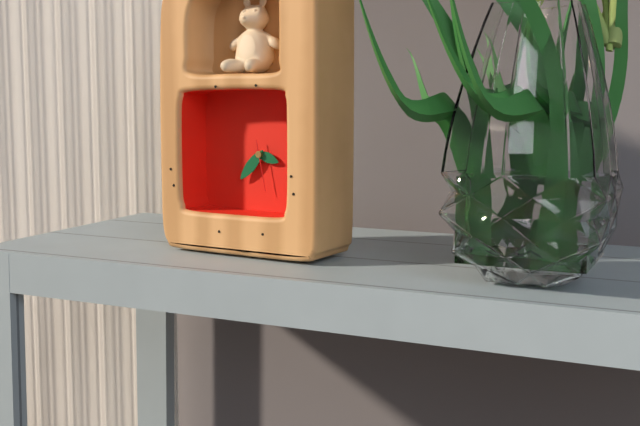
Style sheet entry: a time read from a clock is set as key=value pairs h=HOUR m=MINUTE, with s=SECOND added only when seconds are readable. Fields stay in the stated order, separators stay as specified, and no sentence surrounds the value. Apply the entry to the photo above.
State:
h=3 m=37
